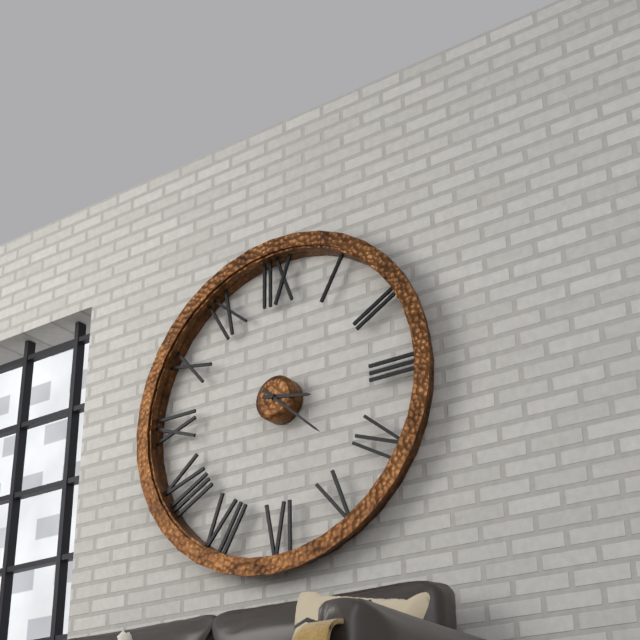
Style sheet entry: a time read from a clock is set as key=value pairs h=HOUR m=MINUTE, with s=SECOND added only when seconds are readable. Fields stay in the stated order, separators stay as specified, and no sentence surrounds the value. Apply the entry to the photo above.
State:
h=3 m=22
